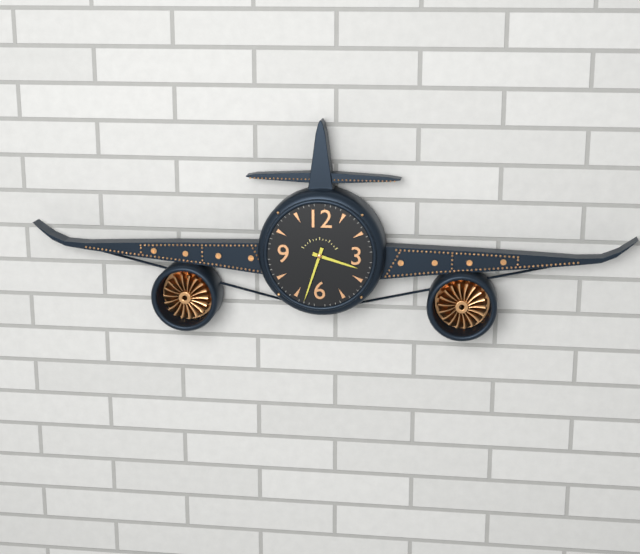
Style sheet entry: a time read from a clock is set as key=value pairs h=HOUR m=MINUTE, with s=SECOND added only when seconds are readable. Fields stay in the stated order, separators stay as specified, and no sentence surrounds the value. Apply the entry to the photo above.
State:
h=3 m=33
